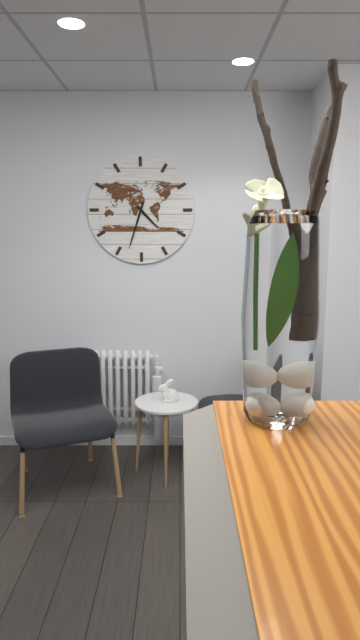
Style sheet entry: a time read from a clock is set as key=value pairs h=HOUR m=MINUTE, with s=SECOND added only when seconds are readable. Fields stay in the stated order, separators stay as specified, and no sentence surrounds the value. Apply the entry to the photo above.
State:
h=4 m=33
